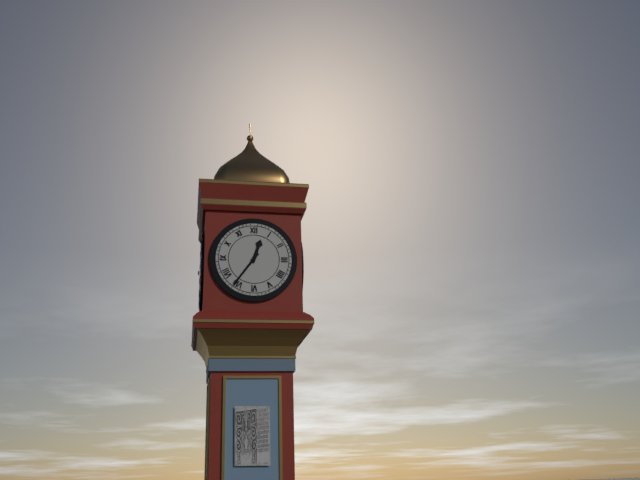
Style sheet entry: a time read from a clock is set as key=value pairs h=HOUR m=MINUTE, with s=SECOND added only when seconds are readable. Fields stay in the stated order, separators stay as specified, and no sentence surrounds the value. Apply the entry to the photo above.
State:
h=12 m=36
